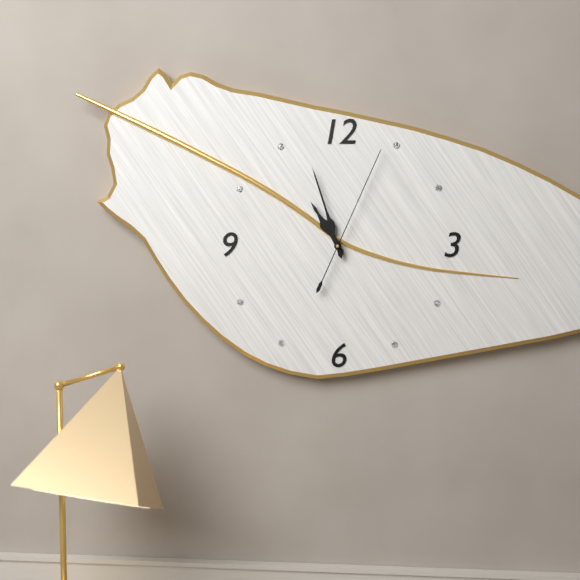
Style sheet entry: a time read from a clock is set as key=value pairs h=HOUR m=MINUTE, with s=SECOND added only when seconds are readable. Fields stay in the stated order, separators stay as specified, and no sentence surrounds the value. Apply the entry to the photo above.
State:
h=10 m=57 s=4
